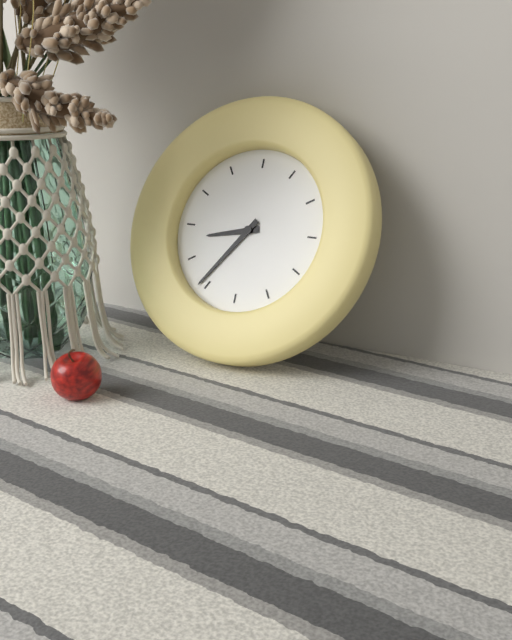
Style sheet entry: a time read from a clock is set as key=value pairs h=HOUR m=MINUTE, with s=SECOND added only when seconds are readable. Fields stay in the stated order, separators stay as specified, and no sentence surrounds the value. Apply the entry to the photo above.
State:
h=8 m=36
